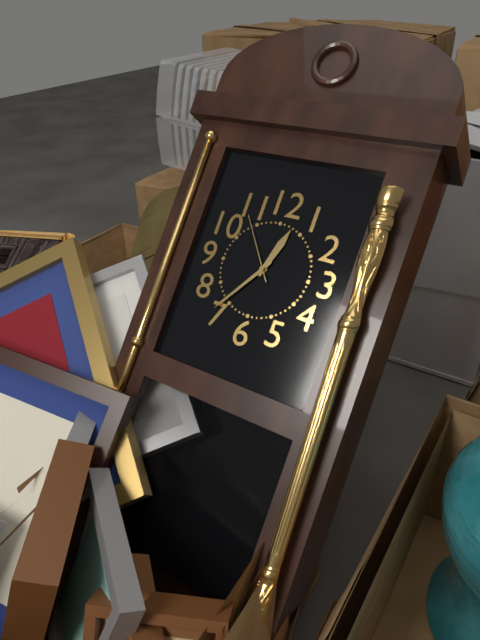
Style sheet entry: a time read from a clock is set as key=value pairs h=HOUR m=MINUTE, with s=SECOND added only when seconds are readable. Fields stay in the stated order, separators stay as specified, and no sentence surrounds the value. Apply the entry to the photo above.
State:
h=12 m=36 s=54
